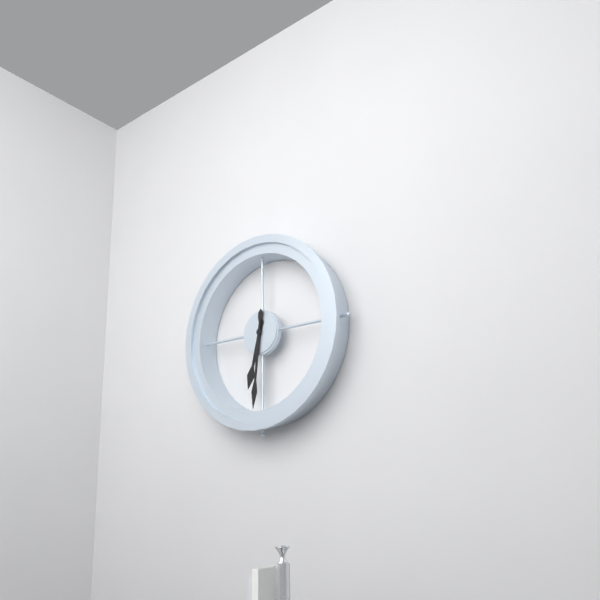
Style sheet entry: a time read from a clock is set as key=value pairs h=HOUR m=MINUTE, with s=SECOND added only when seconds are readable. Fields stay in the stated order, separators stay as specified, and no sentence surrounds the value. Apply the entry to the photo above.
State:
h=6 m=31
